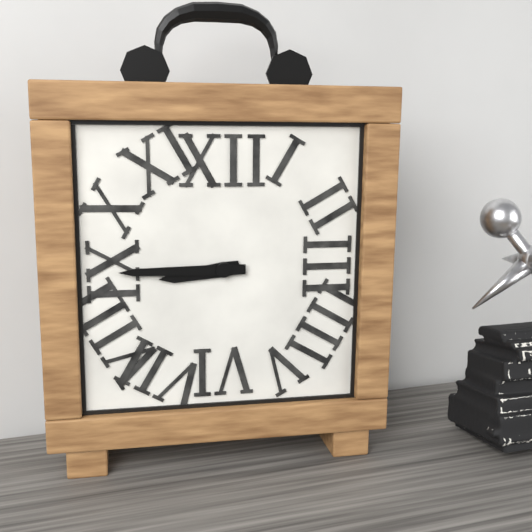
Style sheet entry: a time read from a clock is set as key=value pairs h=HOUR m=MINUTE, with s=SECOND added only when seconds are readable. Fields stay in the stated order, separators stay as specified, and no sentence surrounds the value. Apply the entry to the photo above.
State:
h=8 m=45
